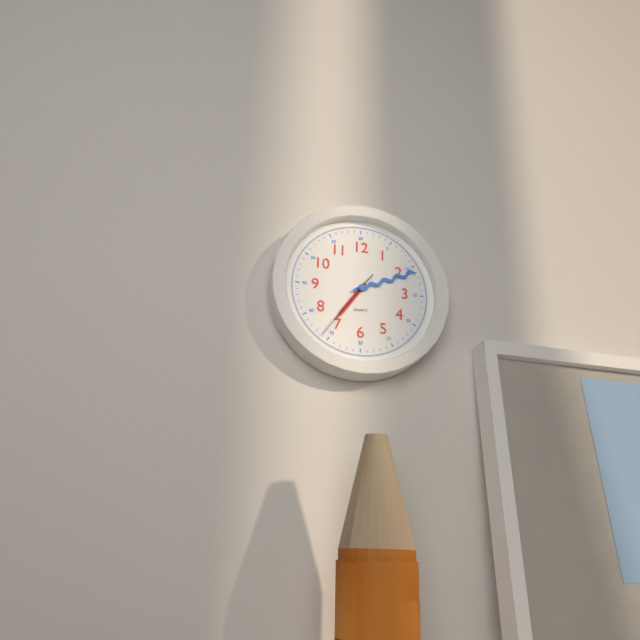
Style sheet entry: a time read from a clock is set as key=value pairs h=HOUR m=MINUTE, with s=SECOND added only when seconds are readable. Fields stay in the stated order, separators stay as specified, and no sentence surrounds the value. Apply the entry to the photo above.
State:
h=7 m=11 s=36
